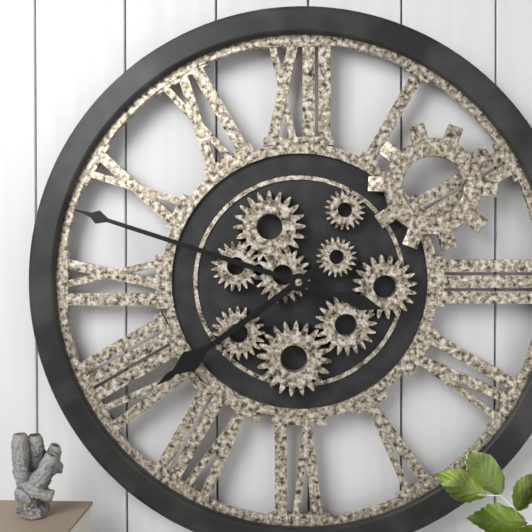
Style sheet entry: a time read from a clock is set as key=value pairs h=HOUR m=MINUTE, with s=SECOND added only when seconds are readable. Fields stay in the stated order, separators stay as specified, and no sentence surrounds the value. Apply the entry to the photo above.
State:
h=7 m=48
